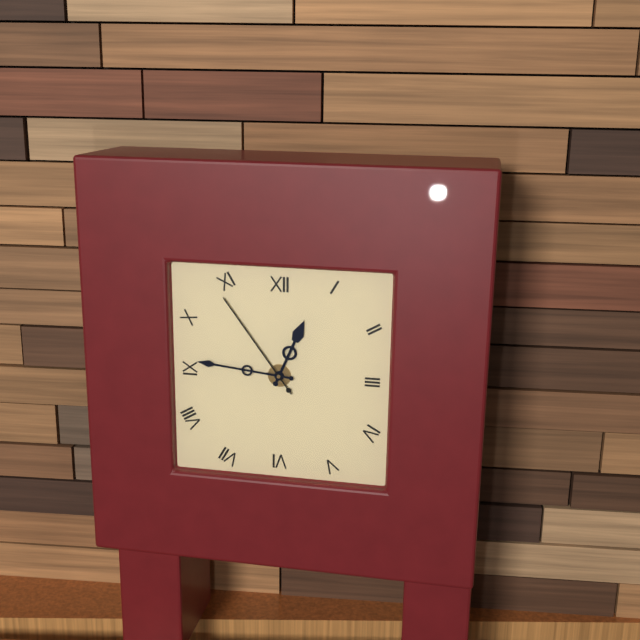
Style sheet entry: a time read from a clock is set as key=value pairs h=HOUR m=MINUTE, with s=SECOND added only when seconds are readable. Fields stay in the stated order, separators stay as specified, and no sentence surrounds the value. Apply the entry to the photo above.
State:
h=12 m=46 s=54
